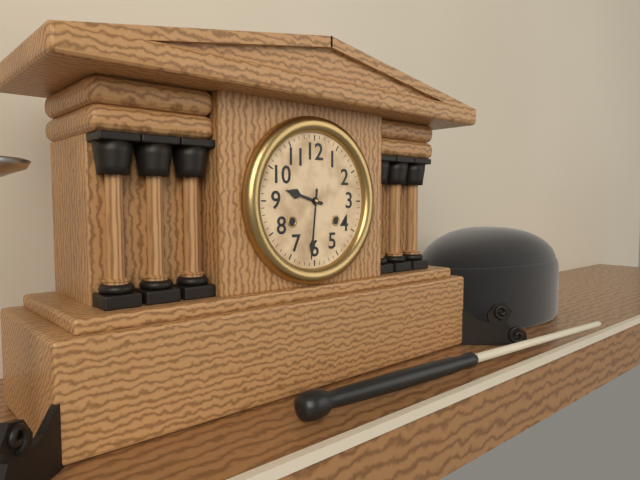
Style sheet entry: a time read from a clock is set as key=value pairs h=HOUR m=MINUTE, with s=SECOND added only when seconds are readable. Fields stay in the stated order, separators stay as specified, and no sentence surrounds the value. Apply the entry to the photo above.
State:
h=9 m=31
